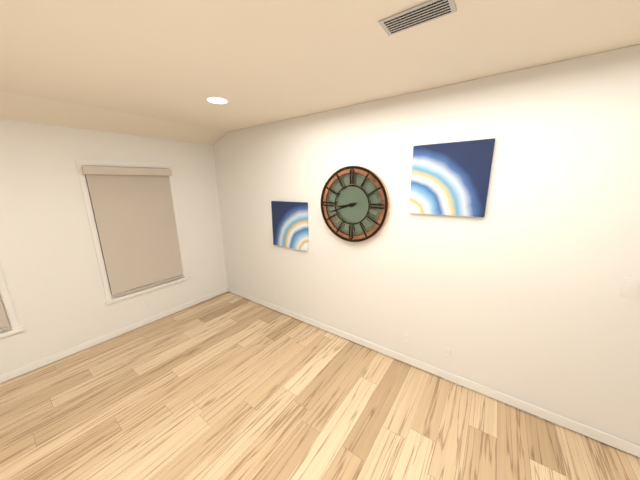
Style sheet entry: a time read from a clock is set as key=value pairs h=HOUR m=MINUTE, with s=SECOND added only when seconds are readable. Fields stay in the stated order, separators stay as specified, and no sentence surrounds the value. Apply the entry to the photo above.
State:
h=8 m=42
